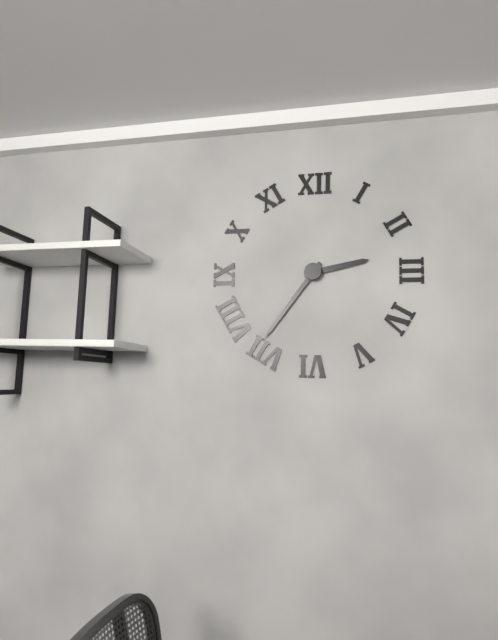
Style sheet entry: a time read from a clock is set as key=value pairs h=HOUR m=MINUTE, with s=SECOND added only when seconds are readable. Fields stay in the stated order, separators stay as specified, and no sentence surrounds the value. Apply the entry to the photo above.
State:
h=2 m=36
